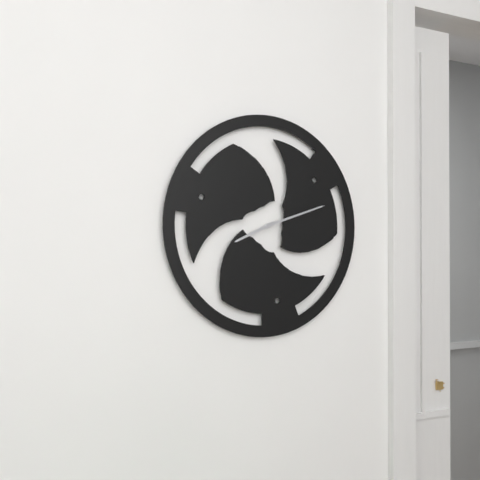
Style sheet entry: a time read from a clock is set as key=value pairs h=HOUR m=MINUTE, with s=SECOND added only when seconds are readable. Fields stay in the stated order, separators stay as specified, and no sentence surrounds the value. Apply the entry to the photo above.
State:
h=8 m=12
